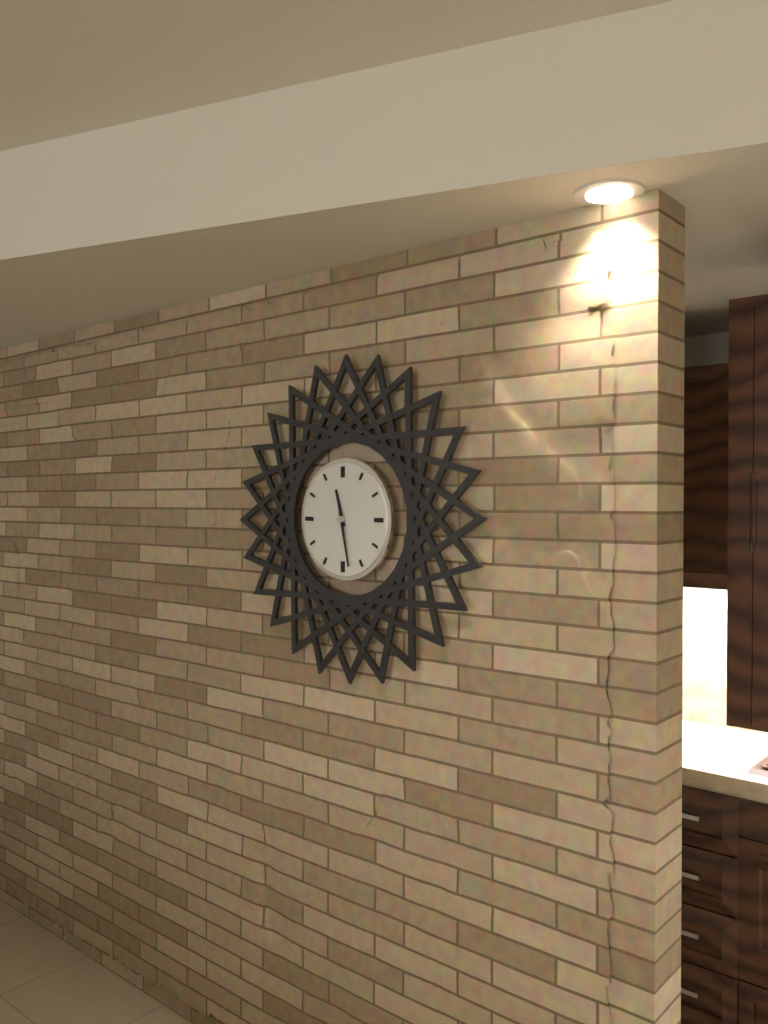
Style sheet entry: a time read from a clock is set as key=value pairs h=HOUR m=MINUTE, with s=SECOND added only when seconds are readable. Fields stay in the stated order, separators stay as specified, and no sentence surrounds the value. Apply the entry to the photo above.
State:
h=11 m=28
